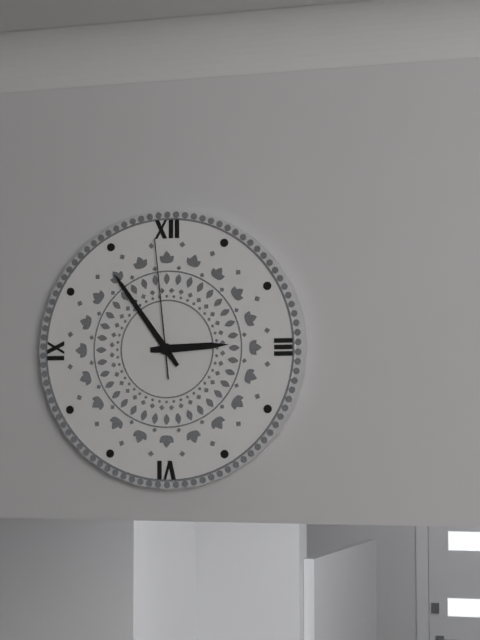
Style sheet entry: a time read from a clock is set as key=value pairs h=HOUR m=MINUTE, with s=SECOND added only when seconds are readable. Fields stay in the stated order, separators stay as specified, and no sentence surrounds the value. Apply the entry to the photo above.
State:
h=2 m=54 s=59
